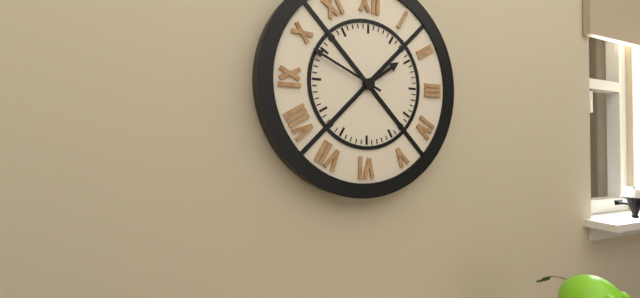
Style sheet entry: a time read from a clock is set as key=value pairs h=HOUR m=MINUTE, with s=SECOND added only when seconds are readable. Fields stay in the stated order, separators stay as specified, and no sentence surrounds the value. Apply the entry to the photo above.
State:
h=1 m=49
